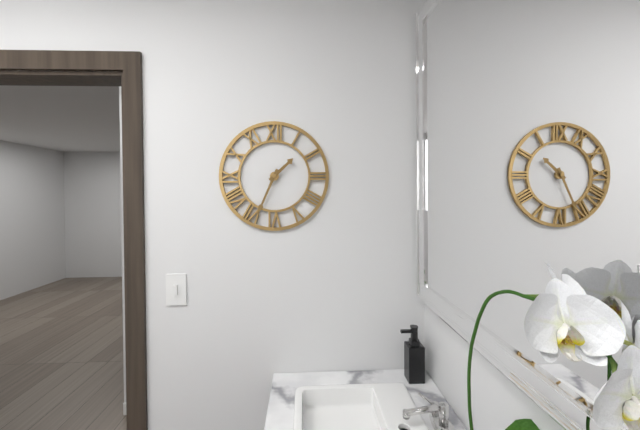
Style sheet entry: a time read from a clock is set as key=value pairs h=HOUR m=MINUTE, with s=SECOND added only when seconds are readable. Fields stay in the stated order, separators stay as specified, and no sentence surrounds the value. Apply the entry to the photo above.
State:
h=1 m=34
